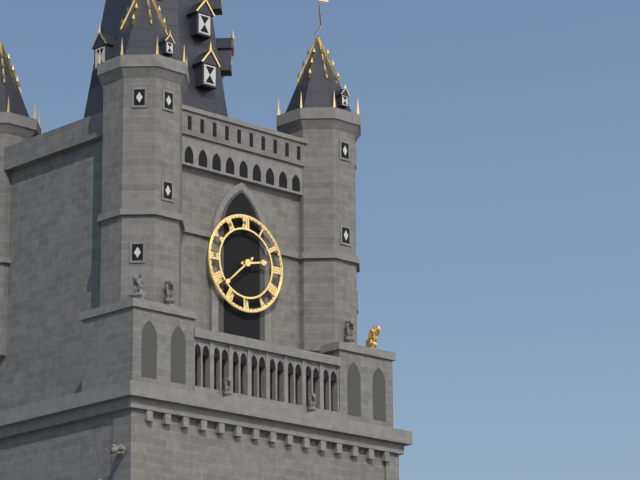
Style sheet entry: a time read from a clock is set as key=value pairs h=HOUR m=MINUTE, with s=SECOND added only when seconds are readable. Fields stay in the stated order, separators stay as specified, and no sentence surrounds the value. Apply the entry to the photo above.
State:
h=2 m=38
